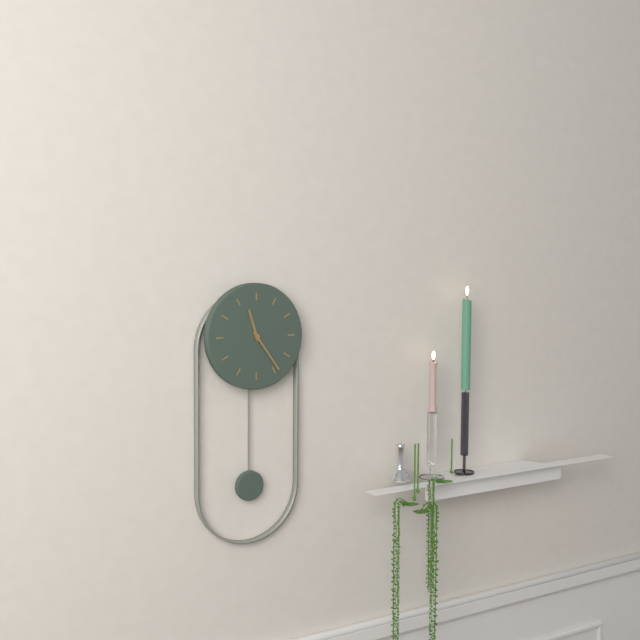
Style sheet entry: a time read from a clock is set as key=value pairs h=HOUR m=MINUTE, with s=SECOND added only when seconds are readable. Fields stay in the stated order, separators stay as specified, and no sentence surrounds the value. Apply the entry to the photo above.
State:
h=11 m=24
